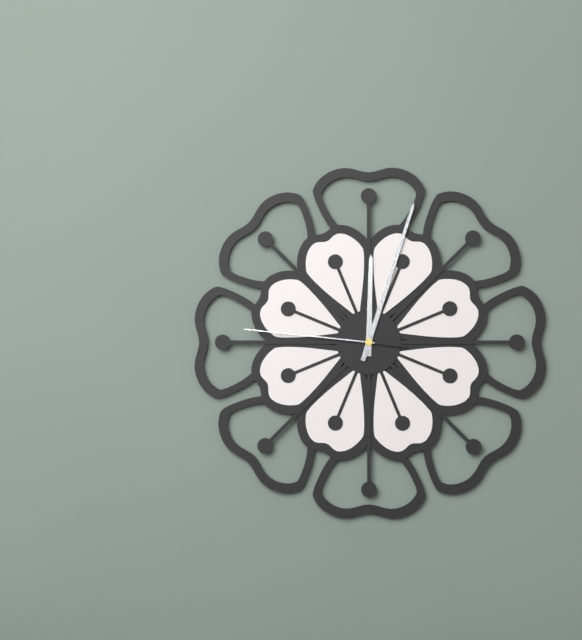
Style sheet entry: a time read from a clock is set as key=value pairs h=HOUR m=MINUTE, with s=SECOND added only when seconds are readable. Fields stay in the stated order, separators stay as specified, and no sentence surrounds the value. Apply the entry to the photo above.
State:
h=12 m=3 s=46
